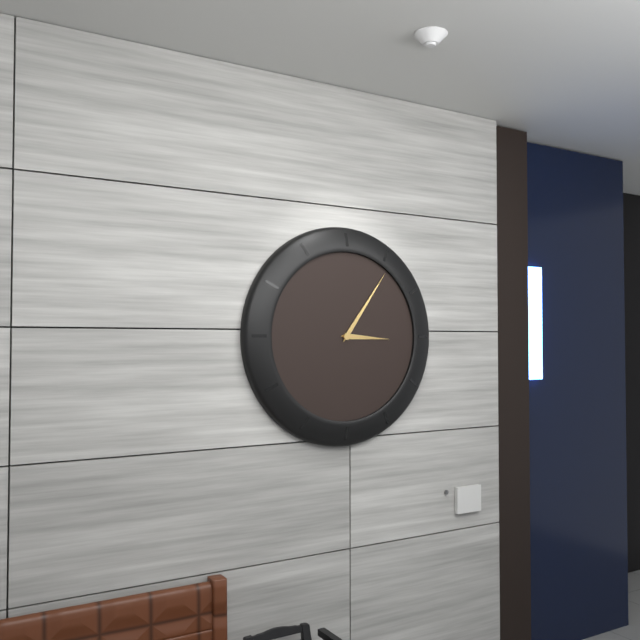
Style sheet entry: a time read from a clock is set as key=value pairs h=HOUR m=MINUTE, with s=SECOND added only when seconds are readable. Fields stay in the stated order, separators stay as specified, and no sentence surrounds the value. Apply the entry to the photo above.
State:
h=3 m=6
